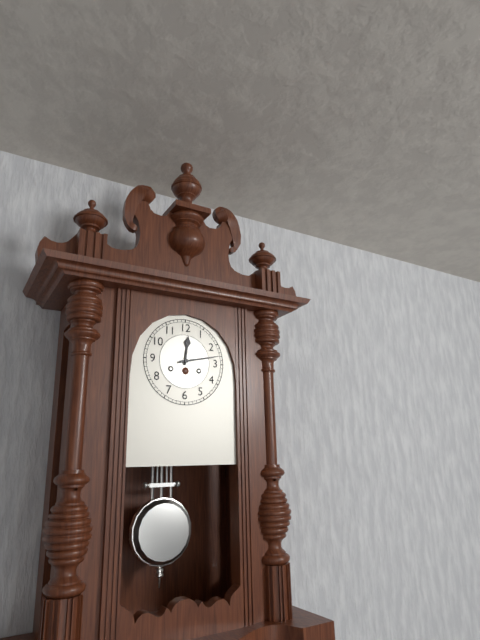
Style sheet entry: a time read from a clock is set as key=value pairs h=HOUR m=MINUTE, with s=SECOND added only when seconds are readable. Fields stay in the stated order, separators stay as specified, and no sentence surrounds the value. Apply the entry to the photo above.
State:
h=12 m=13
